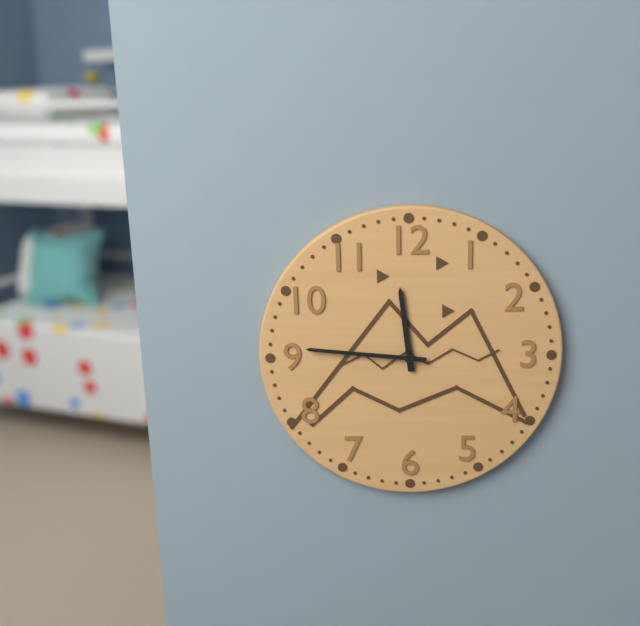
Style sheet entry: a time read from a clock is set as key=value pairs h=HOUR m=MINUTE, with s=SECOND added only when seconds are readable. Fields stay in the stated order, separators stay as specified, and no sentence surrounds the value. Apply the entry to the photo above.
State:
h=11 m=46
